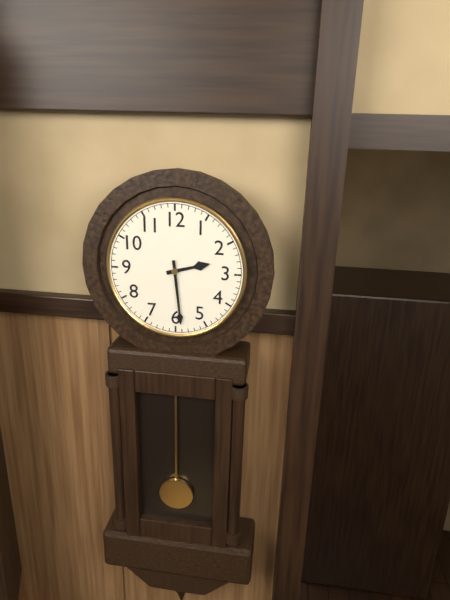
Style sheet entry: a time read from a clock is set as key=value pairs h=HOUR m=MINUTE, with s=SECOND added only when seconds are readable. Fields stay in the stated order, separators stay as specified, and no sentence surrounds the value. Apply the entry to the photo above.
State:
h=2 m=29
